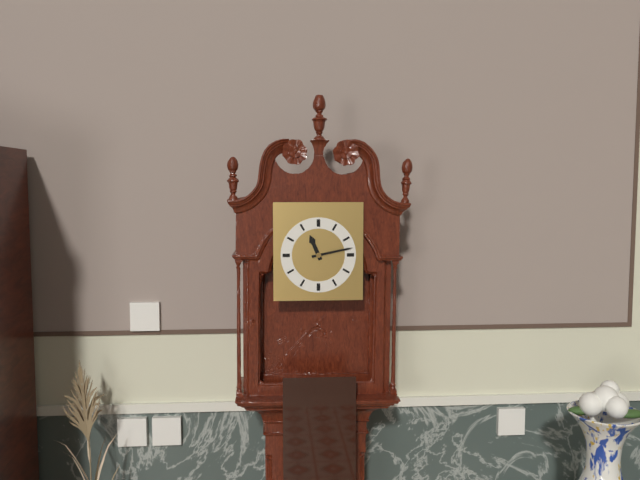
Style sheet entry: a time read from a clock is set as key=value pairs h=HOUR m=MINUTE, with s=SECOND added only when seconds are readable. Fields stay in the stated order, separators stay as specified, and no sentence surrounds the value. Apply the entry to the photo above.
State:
h=11 m=13
